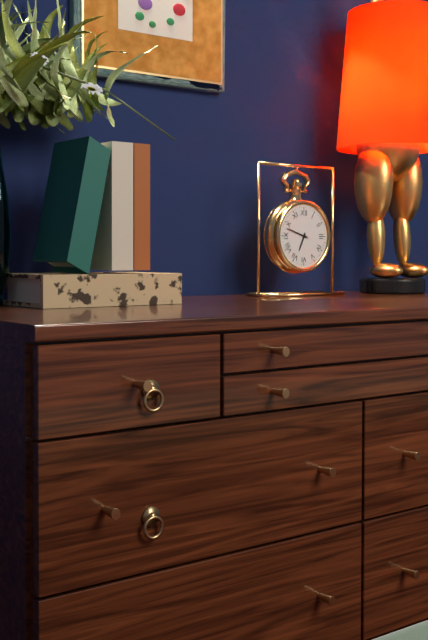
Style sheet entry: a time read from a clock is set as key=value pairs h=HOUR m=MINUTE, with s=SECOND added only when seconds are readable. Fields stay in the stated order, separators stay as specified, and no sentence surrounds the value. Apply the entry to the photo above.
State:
h=6 m=48
